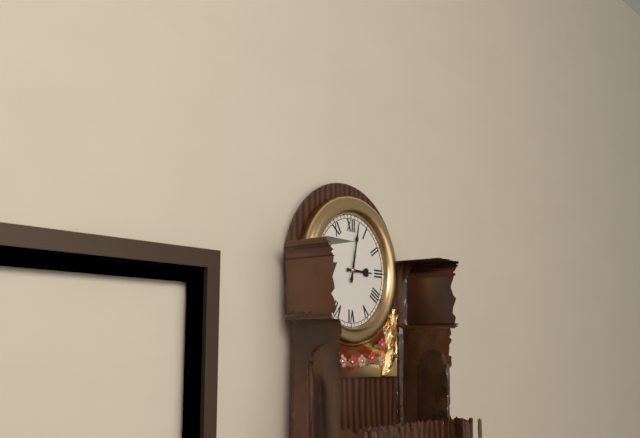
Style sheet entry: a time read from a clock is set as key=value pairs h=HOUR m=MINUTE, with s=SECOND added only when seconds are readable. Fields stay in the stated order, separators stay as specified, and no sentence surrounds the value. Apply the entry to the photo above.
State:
h=3 m=2
